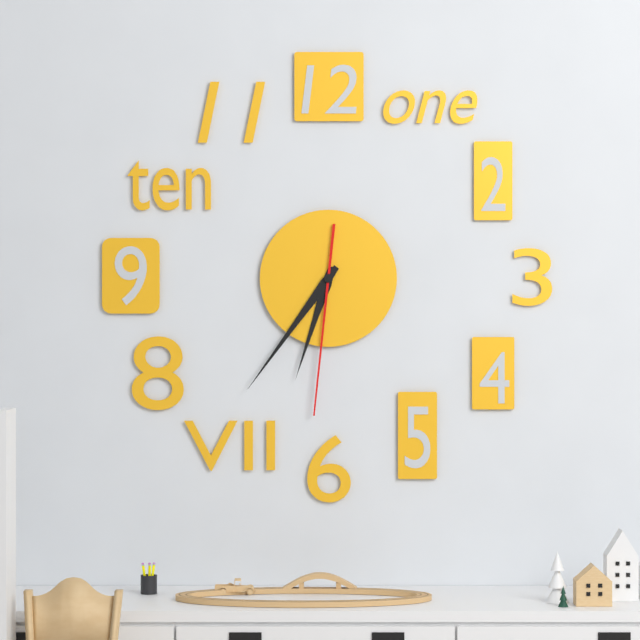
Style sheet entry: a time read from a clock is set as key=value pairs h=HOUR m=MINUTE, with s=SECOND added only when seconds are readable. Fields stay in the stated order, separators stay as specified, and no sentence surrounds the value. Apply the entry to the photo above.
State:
h=6 m=36 s=31
